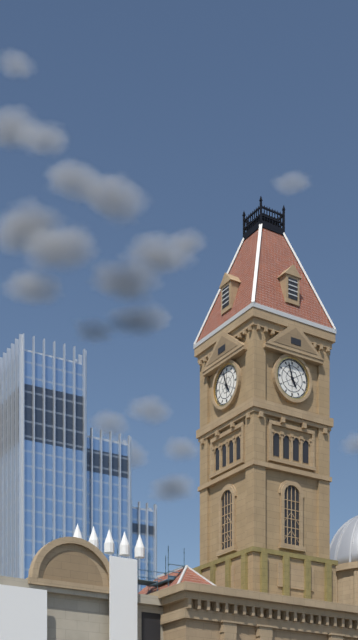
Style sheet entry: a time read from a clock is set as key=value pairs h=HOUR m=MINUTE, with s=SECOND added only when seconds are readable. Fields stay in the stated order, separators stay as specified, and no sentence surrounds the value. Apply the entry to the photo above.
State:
h=4 m=57
